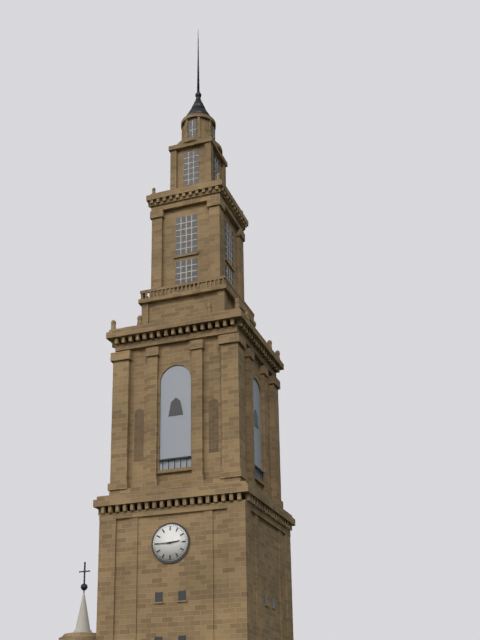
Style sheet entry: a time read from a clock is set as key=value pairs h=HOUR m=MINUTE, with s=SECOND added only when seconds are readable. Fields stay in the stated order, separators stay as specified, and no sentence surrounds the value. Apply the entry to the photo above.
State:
h=2 m=45
